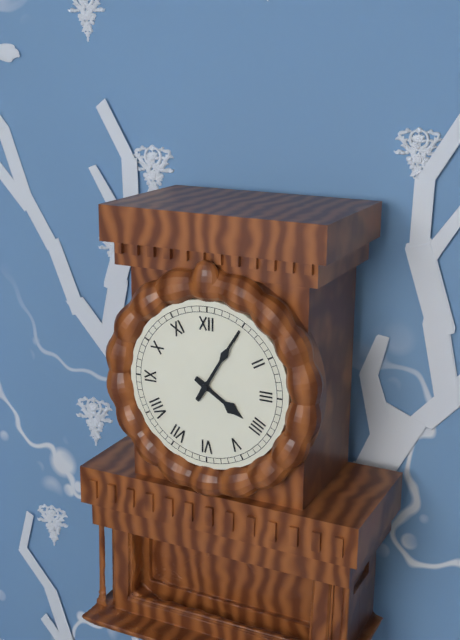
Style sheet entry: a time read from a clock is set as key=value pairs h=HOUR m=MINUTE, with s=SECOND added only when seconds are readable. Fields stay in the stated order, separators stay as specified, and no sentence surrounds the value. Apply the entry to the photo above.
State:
h=4 m=5
